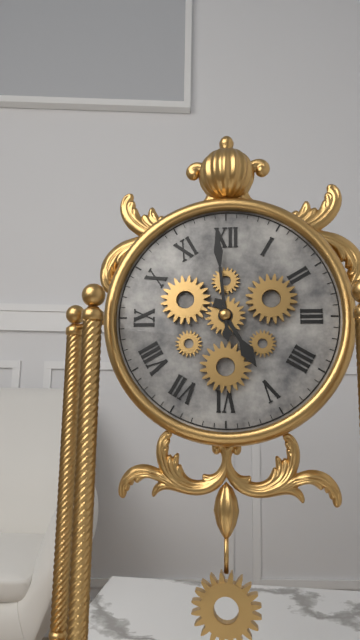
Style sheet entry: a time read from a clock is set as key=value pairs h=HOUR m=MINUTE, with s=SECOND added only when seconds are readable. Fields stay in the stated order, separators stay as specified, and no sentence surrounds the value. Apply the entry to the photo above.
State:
h=4 m=59
